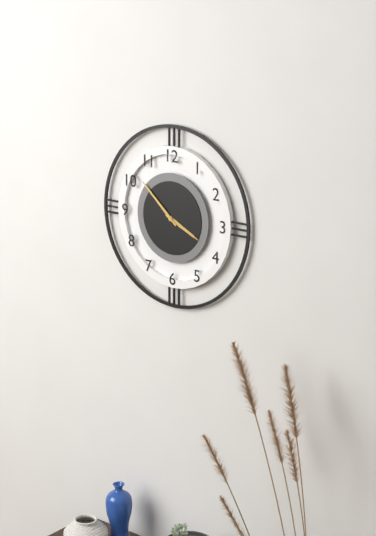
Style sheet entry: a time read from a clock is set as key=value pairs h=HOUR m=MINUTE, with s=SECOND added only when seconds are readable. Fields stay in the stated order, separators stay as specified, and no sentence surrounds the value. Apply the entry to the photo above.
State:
h=3 m=52
